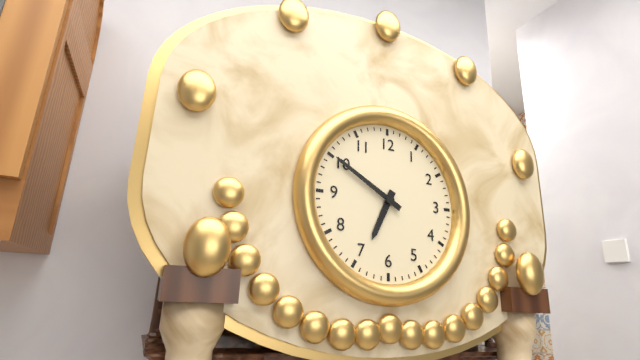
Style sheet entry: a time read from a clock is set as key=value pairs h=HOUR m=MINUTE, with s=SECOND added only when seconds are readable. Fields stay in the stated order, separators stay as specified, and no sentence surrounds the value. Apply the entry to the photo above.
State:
h=6 m=50
